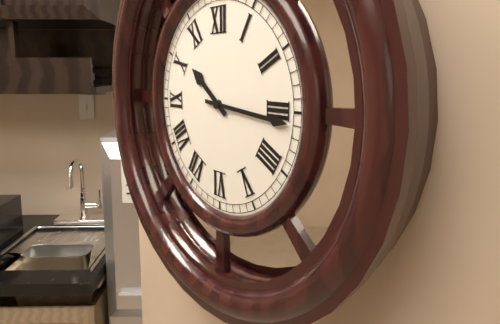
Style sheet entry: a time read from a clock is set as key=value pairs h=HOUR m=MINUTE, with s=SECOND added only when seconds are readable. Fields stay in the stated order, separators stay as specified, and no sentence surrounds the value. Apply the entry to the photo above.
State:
h=10 m=16
